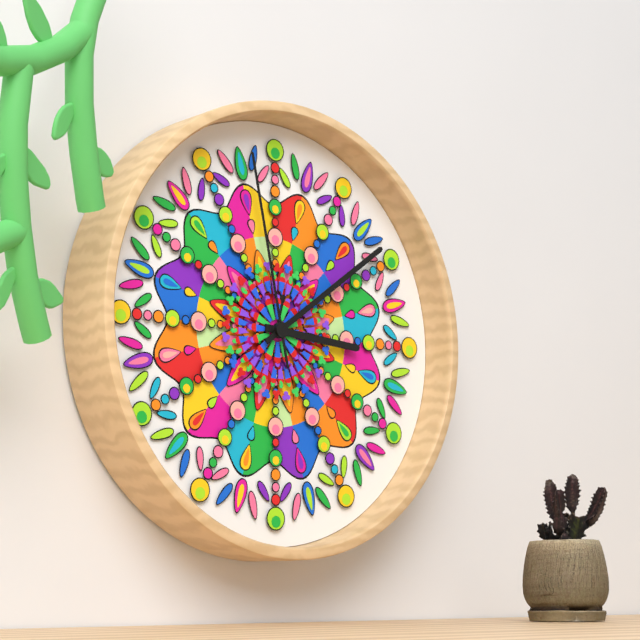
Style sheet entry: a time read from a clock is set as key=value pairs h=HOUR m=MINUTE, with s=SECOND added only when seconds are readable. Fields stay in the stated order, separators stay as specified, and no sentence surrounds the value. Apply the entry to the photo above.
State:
h=3 m=9 s=58
